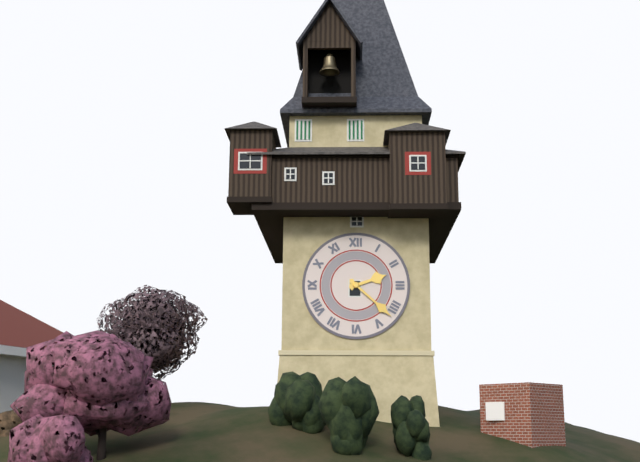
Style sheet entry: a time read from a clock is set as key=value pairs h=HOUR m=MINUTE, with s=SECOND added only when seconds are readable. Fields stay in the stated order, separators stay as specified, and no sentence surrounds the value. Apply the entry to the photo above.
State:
h=2 m=22
